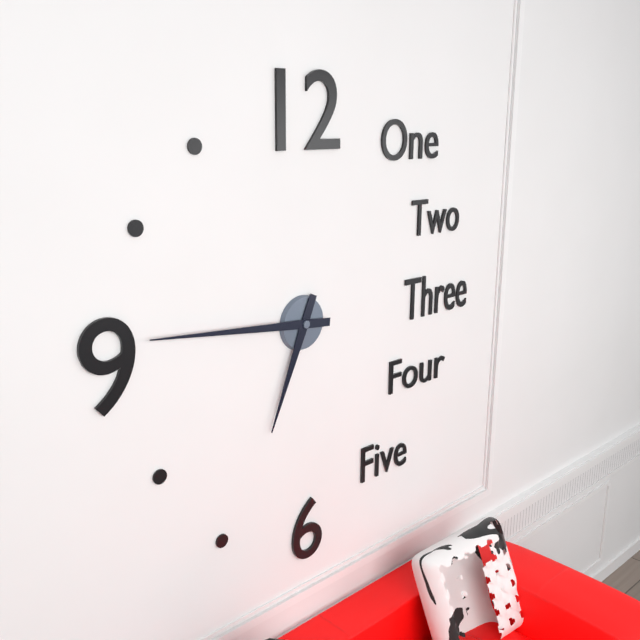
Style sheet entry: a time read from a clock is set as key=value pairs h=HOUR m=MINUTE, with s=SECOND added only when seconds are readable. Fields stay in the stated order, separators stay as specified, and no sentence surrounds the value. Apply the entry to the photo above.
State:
h=6 m=46
